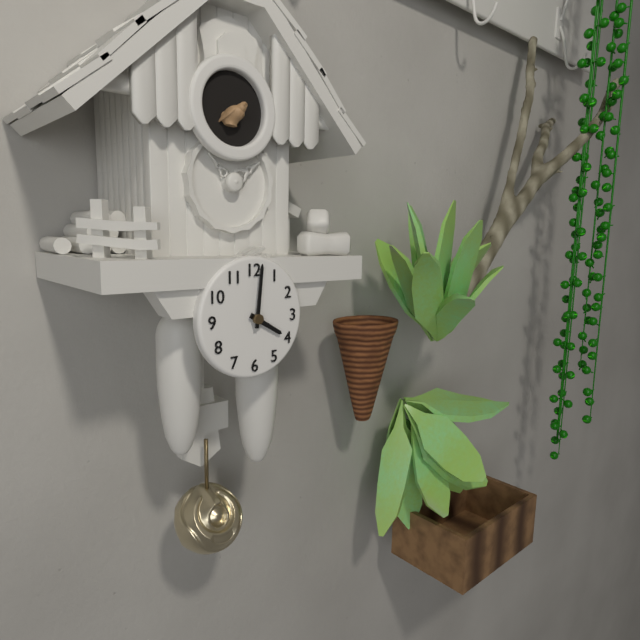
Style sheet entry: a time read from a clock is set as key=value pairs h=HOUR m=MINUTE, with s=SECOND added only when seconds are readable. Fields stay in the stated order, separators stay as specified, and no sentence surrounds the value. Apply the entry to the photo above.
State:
h=4 m=1
